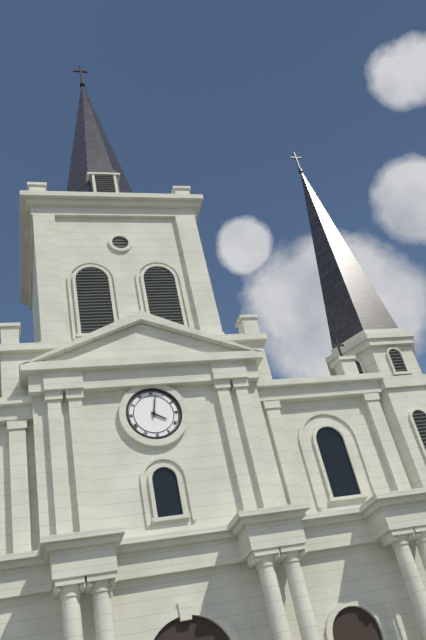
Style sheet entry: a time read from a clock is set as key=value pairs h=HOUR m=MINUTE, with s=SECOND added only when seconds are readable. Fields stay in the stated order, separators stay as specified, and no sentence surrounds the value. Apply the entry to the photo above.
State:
h=4 m=2
